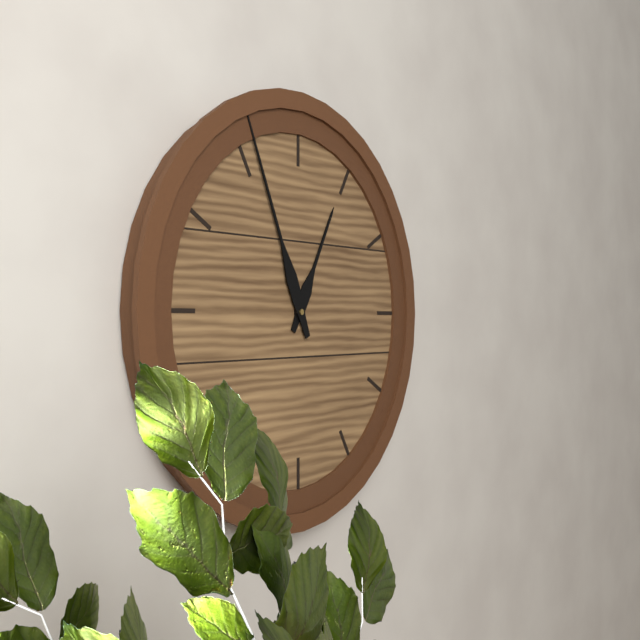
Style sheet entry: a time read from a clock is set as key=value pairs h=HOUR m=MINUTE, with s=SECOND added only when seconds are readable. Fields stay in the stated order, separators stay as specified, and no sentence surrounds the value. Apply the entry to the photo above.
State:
h=12 m=56
